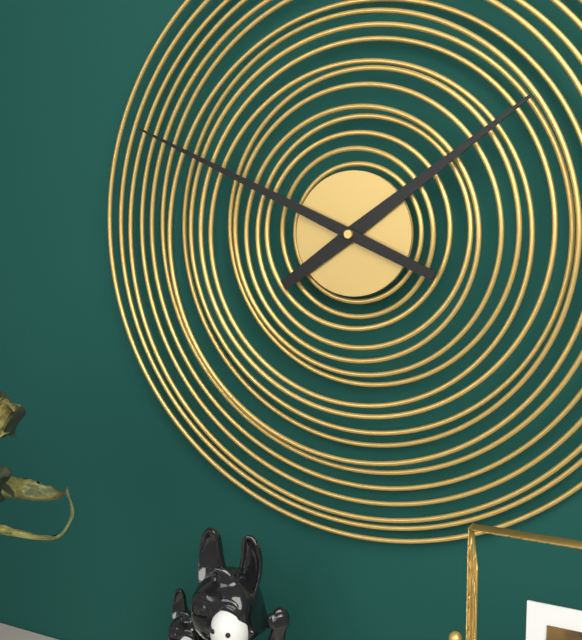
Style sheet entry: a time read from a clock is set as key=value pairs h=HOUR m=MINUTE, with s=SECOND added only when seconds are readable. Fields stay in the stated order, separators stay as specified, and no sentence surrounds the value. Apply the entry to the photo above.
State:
h=1 m=49
